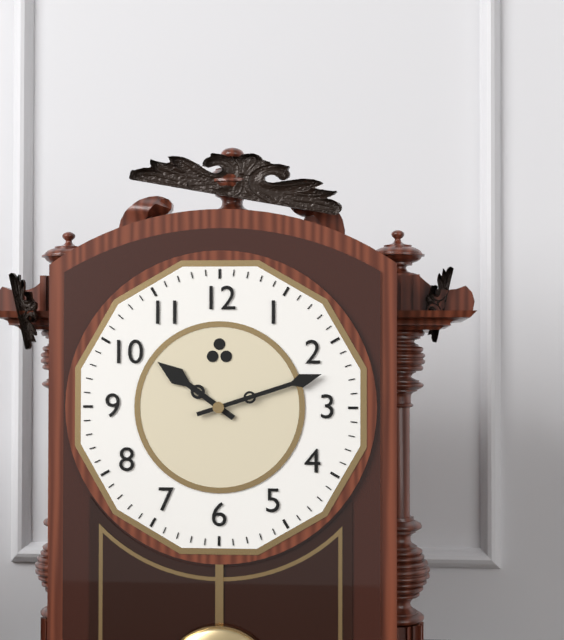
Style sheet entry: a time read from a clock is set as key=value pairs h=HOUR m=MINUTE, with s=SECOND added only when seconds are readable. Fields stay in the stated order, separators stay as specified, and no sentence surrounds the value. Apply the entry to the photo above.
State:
h=10 m=12
